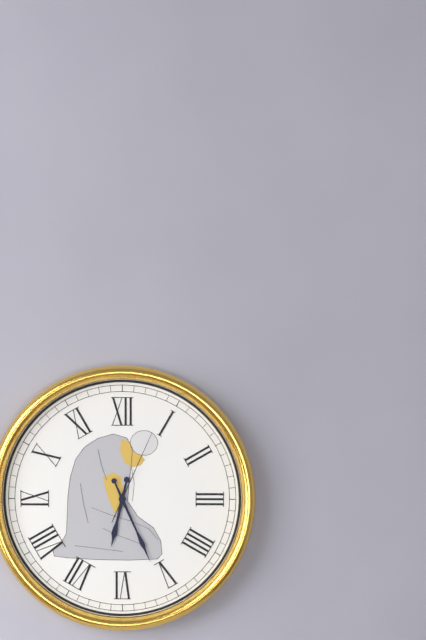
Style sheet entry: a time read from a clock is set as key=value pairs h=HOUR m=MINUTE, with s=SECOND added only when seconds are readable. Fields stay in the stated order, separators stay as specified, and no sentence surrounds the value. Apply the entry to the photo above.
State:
h=6 m=26 s=4
